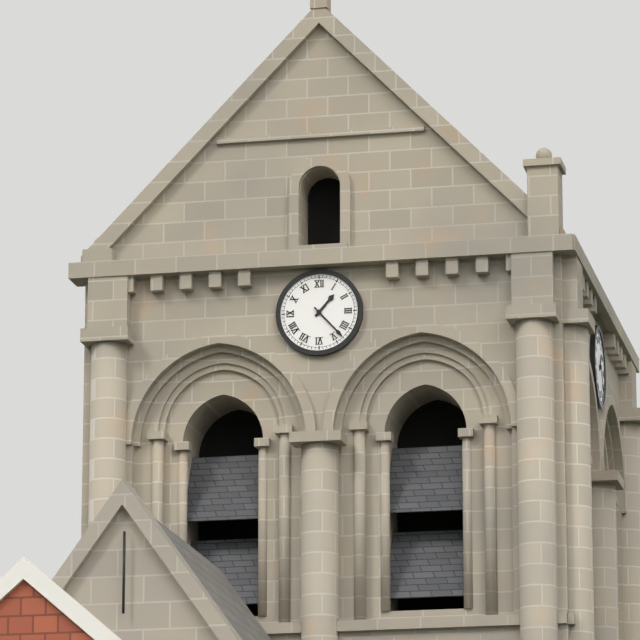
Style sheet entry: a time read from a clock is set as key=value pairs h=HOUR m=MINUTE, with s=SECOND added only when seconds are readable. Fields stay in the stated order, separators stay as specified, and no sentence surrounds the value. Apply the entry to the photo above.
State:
h=1 m=23
